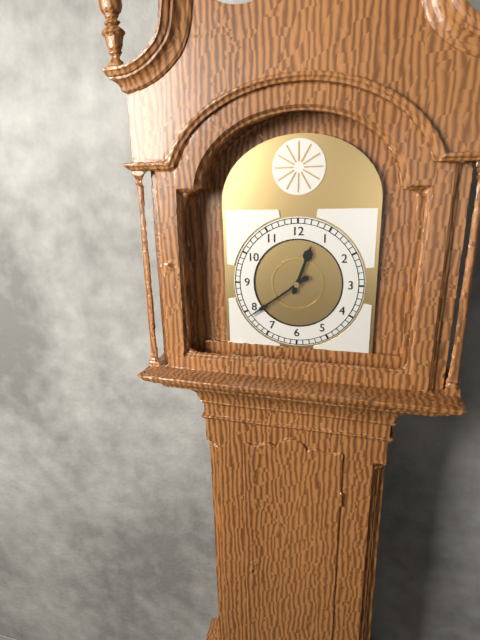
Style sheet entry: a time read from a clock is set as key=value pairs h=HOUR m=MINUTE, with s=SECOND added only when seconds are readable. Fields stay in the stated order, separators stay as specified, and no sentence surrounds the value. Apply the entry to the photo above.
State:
h=12 m=39
